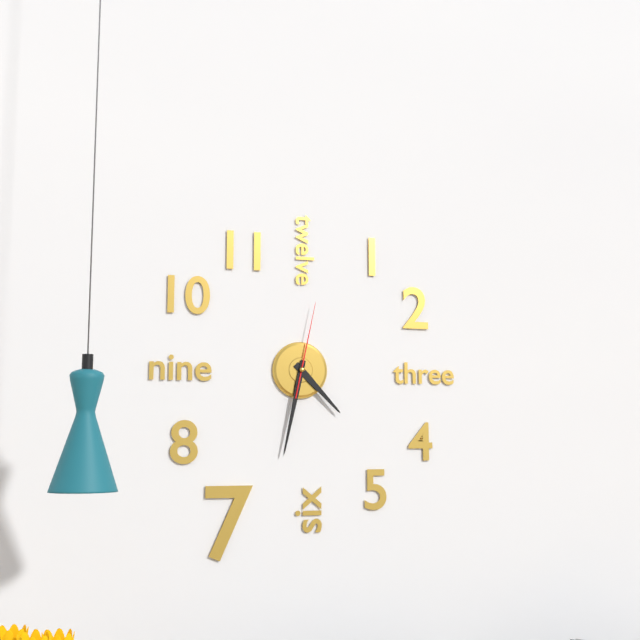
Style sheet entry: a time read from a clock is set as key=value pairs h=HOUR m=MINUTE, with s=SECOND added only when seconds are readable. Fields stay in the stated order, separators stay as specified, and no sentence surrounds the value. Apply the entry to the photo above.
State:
h=4 m=32 s=2
